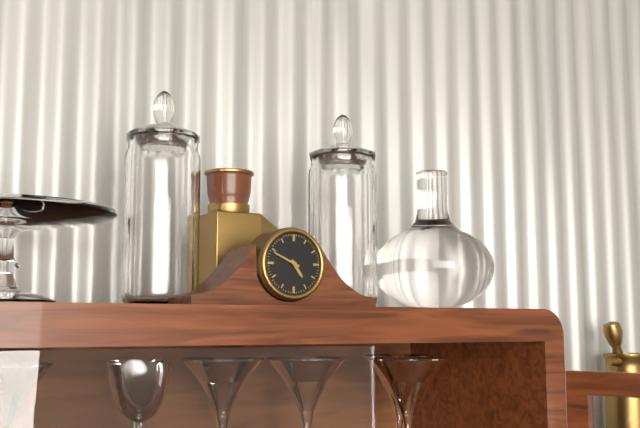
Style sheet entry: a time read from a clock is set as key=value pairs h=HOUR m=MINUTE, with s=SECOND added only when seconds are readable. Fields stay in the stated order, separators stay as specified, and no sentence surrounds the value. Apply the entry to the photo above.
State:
h=4 m=49
